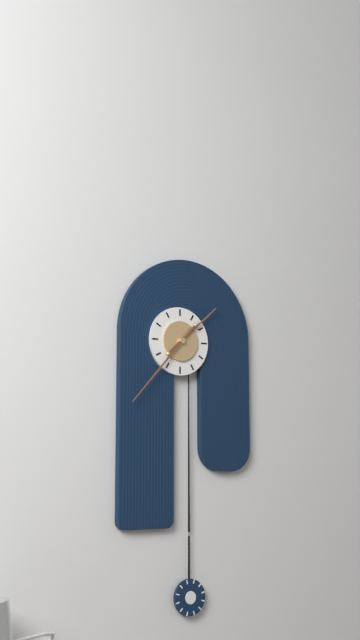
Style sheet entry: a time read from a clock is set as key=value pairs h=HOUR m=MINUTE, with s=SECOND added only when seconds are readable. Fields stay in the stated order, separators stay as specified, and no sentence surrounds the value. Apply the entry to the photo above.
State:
h=1 m=37
